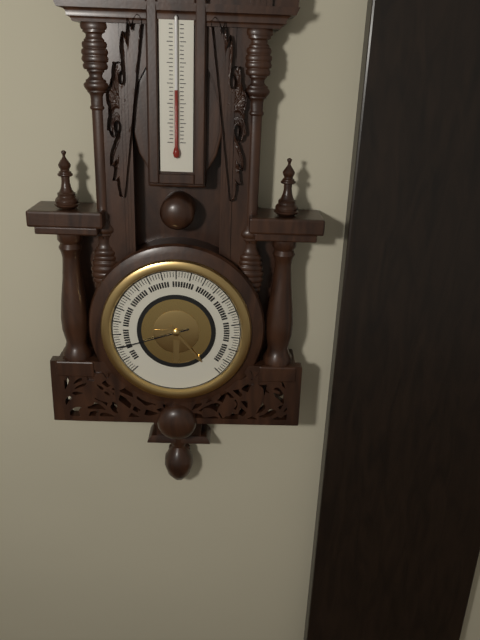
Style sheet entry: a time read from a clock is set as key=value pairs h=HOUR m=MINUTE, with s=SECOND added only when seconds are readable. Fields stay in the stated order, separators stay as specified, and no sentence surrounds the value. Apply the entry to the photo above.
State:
h=4 m=42
